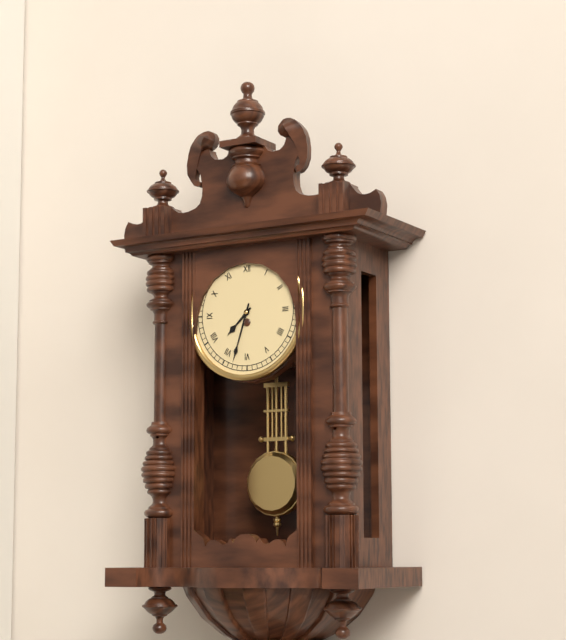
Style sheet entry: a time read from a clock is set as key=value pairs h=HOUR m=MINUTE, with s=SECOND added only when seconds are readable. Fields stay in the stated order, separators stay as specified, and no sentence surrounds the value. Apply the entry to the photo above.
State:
h=7 m=33
